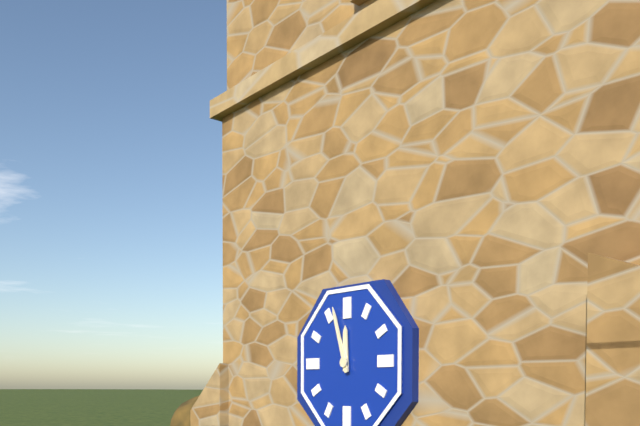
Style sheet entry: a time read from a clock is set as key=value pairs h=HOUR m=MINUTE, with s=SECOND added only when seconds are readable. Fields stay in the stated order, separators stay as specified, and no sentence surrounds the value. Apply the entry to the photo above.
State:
h=11 m=57
